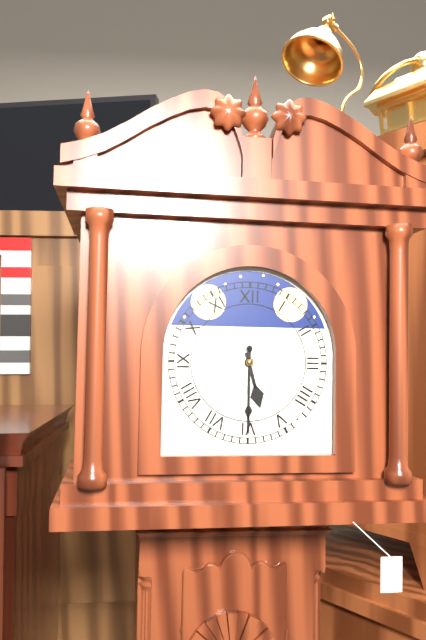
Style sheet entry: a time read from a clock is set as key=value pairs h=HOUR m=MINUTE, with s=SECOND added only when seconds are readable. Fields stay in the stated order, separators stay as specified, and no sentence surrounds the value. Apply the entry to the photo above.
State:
h=5 m=30
